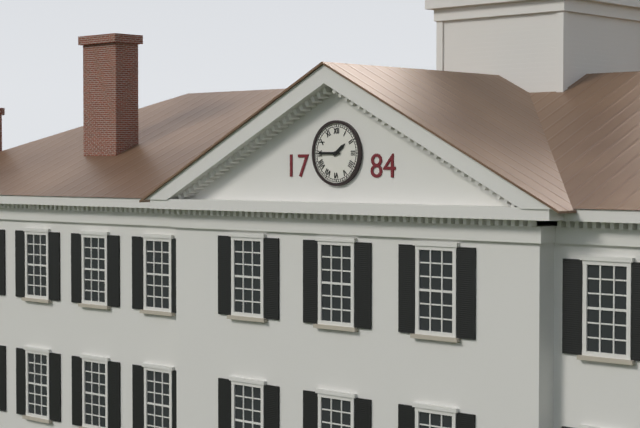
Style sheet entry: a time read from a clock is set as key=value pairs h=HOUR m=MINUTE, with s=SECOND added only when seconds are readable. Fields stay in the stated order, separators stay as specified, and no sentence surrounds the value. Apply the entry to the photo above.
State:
h=1 m=45
